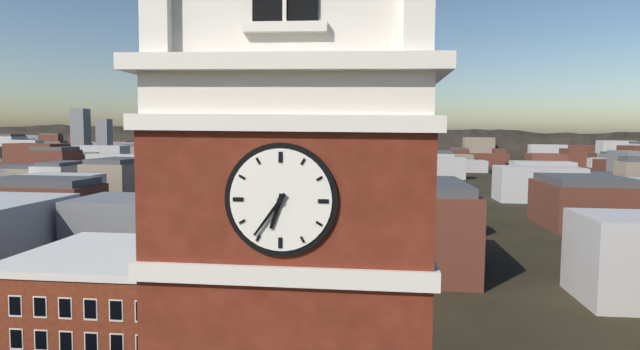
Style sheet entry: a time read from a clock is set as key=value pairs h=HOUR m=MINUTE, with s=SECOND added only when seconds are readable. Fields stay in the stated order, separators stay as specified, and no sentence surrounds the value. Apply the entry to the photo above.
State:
h=6 m=36
